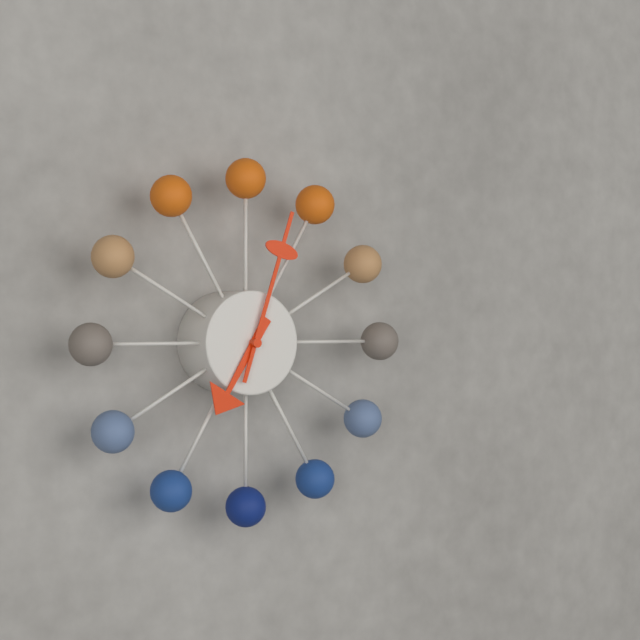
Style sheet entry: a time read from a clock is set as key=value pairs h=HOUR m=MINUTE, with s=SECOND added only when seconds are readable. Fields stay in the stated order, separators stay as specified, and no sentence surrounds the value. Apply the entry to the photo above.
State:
h=7 m=3
